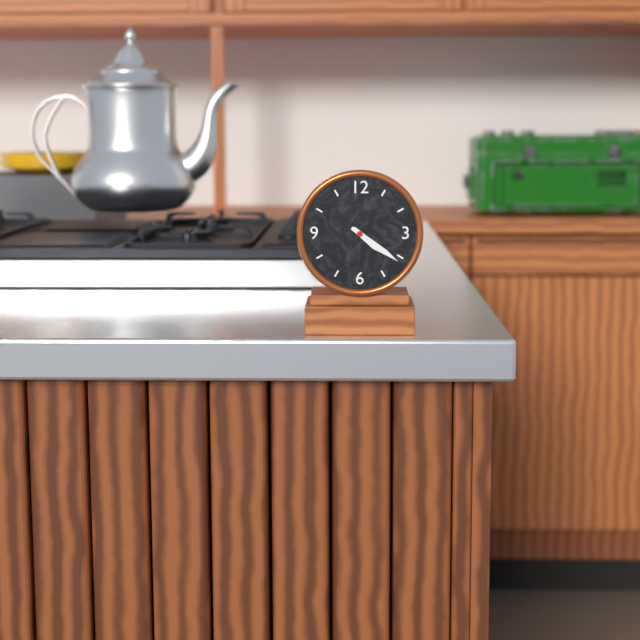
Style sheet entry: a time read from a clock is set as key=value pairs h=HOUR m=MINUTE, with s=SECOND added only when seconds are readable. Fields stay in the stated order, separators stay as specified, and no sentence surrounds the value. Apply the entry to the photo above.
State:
h=4 m=21
